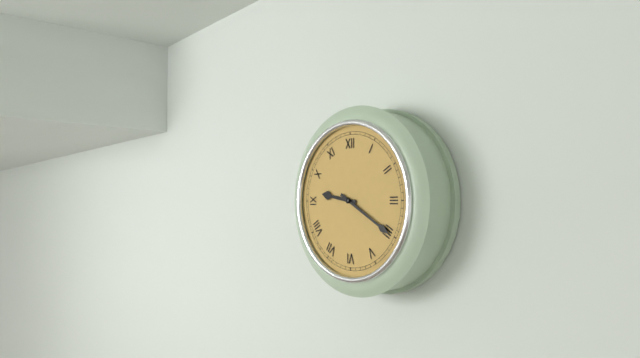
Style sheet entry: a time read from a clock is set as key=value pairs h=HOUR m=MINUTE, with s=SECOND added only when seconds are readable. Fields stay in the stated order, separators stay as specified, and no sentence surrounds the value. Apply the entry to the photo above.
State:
h=9 m=20
